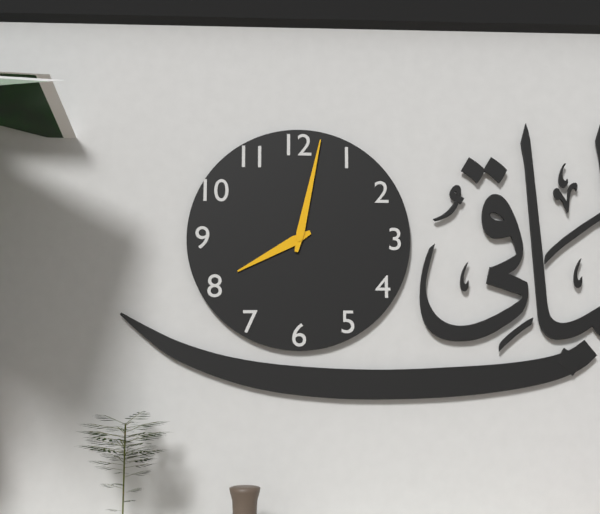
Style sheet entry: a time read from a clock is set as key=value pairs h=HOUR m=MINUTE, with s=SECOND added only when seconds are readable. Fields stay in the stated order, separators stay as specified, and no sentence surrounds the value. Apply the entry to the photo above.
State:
h=8 m=2
